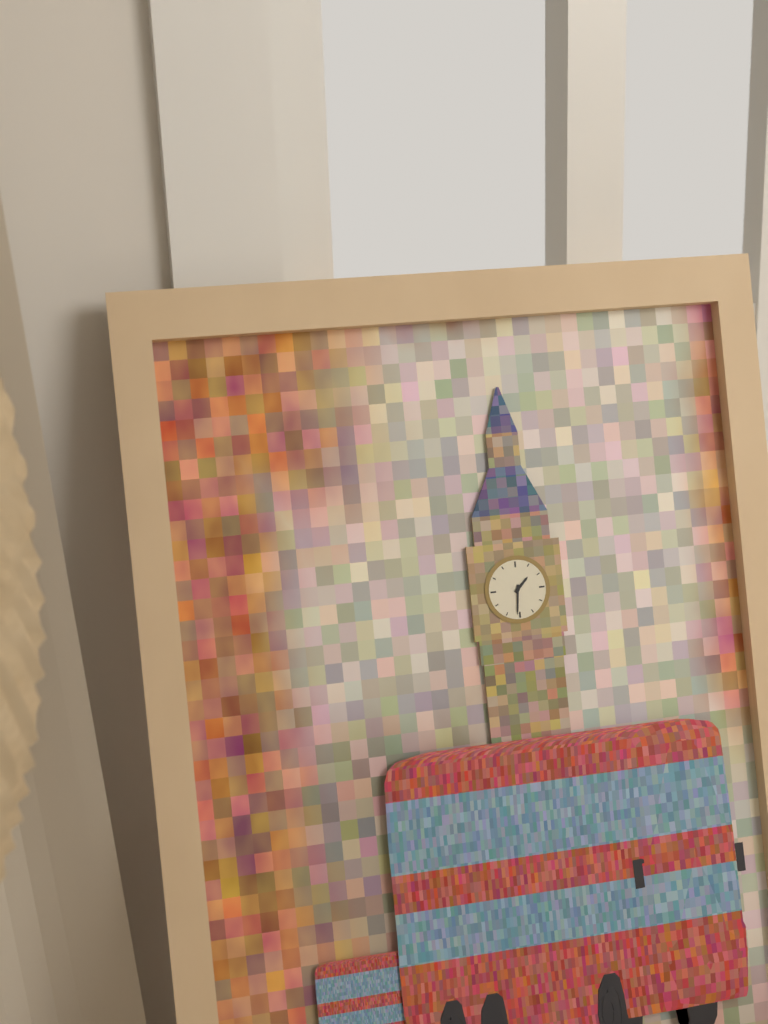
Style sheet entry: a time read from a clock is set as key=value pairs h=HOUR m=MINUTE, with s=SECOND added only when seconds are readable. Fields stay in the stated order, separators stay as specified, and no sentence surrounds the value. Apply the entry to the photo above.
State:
h=1 m=31
